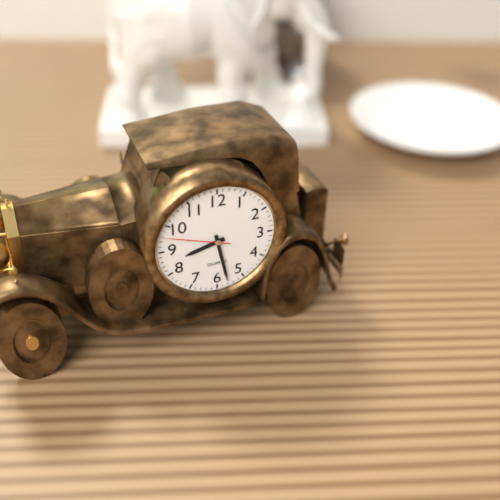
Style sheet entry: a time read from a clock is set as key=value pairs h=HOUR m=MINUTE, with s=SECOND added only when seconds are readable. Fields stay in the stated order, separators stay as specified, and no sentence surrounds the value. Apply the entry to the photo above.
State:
h=8 m=28 s=48
